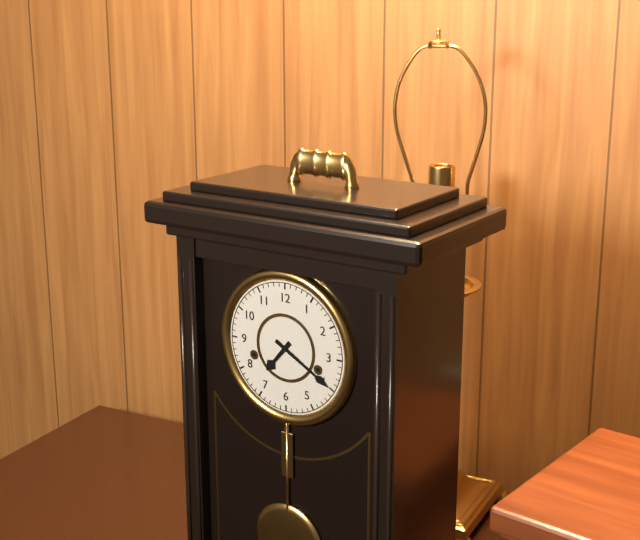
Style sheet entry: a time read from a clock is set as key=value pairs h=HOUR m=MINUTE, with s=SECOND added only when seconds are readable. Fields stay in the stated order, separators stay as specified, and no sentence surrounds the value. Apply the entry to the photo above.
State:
h=7 m=20
